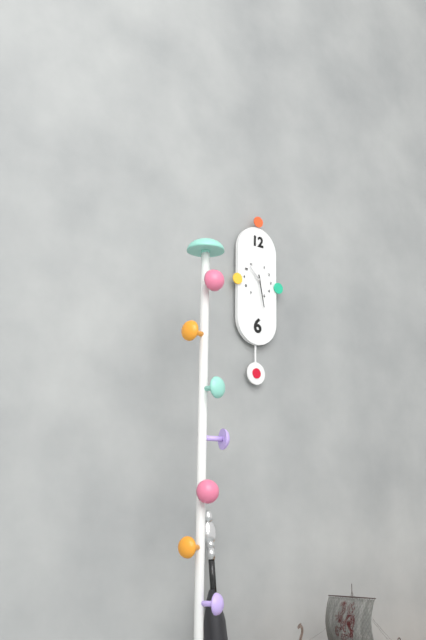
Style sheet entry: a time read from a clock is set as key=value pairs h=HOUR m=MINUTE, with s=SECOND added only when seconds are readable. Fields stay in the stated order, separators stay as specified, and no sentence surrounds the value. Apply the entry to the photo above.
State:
h=10 m=28
